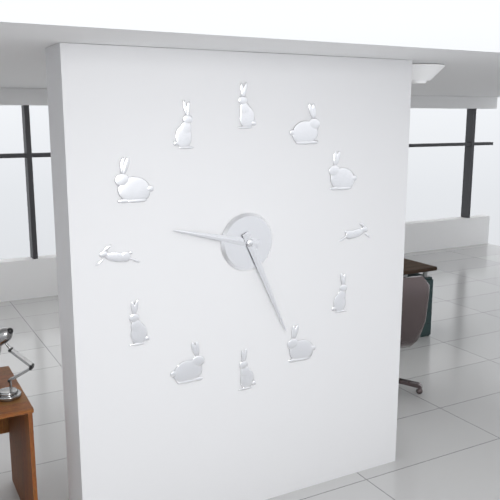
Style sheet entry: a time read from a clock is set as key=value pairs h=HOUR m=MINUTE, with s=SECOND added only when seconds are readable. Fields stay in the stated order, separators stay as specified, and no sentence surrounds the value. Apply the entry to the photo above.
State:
h=9 m=26
